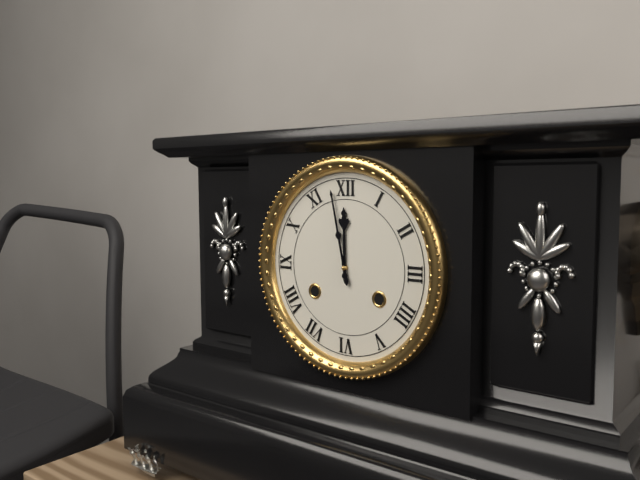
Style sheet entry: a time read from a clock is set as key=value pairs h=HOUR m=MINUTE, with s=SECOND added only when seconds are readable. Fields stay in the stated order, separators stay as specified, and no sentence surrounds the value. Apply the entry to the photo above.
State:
h=11 m=58
